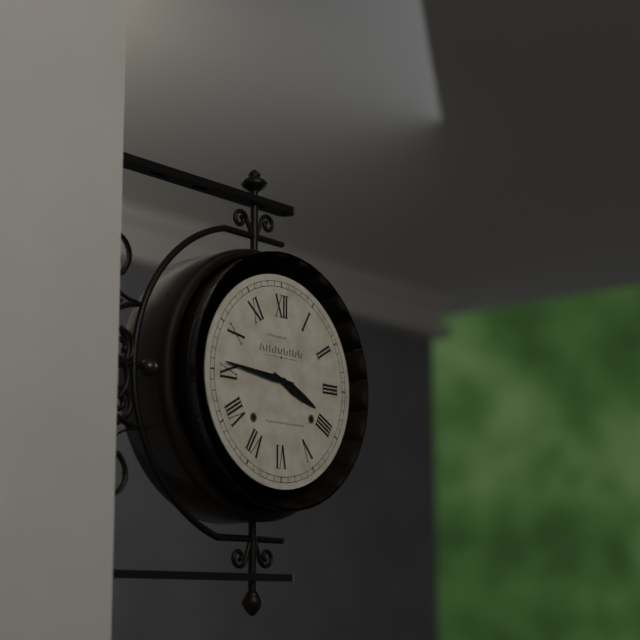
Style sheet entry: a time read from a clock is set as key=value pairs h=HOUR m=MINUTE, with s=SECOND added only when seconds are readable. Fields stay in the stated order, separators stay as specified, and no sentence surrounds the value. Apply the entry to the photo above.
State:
h=3 m=46
